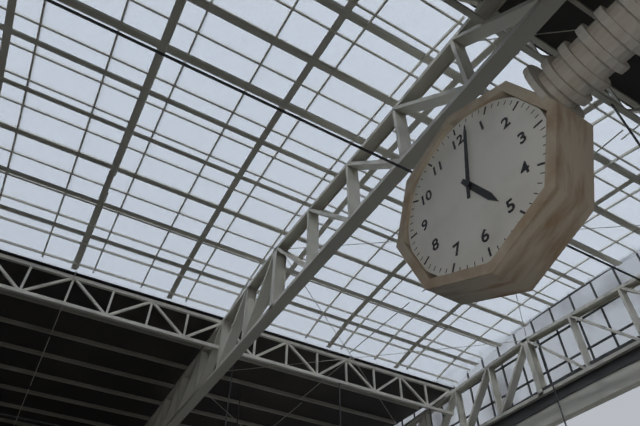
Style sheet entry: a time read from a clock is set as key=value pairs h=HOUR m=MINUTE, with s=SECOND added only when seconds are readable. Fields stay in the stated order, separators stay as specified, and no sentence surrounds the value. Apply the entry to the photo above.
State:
h=5 m=2
